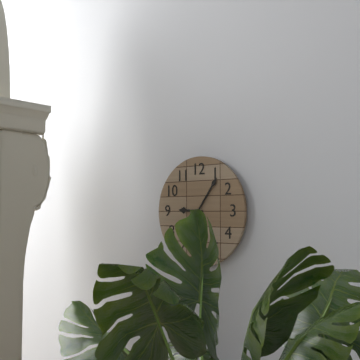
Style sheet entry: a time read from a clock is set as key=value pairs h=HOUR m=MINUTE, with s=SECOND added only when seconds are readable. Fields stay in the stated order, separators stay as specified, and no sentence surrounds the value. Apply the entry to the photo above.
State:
h=9 m=6
